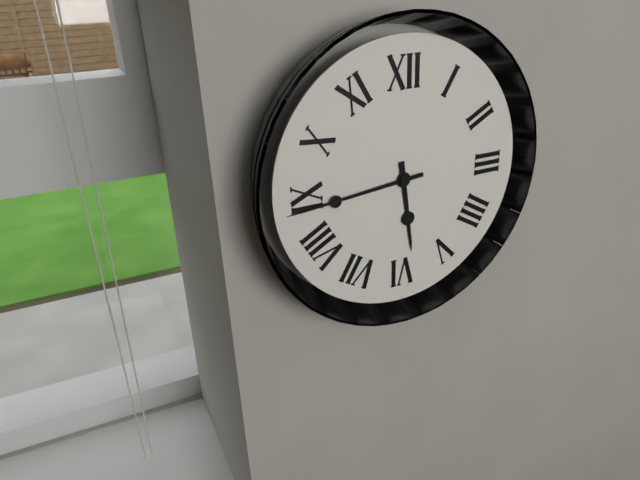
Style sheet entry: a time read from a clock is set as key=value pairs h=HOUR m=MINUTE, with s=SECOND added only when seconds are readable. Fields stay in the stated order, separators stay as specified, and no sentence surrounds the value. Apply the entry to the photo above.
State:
h=5 m=44
